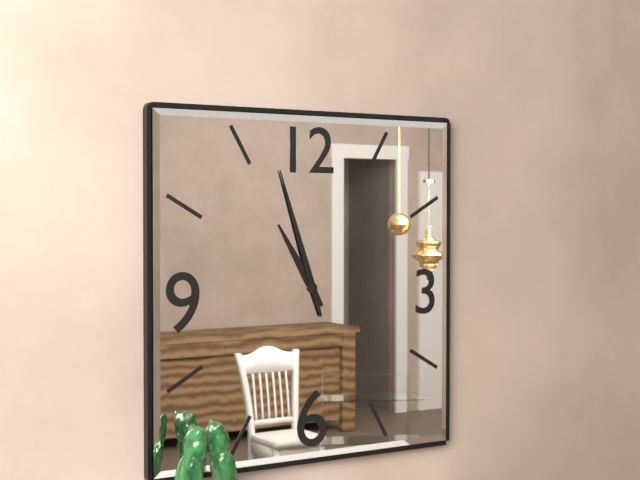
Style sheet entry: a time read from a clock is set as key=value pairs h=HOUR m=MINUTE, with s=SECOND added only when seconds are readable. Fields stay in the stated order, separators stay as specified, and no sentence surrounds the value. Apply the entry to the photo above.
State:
h=10 m=57
